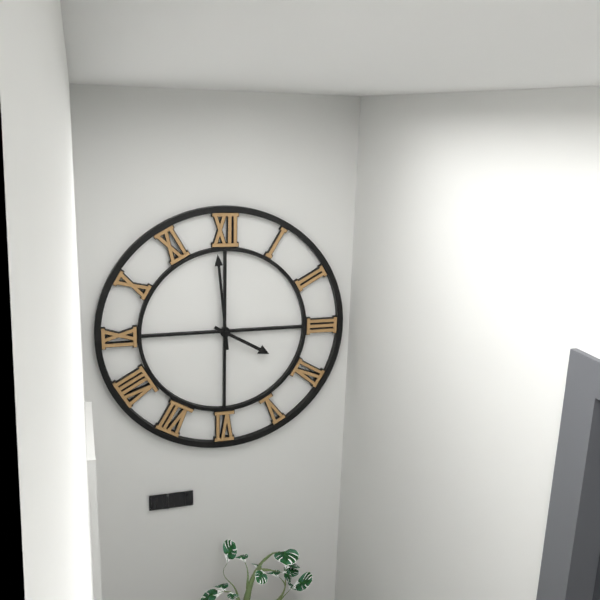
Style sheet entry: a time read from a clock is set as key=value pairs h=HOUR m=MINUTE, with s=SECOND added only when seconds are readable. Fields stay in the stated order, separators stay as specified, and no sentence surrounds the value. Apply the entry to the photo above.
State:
h=3 m=59
